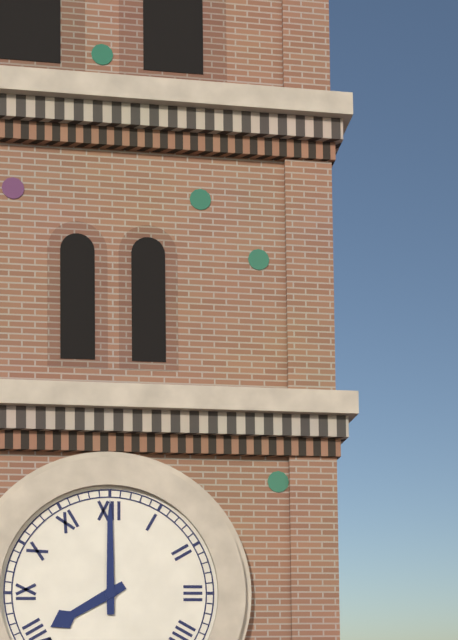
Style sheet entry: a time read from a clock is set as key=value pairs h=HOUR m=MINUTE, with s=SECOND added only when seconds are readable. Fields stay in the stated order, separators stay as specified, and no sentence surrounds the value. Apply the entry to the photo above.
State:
h=8 m=0
